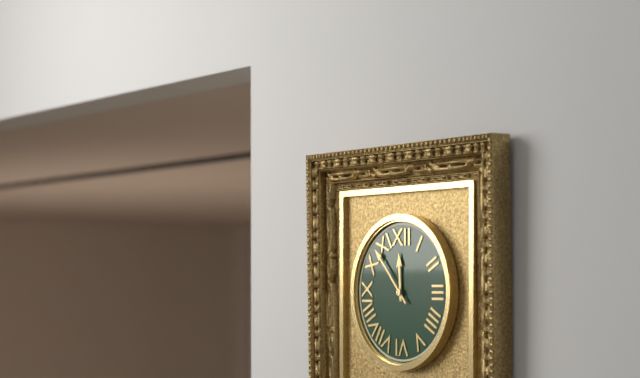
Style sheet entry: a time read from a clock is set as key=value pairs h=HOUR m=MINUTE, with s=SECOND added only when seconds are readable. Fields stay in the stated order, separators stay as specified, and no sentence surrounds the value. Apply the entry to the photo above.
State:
h=11 m=53
